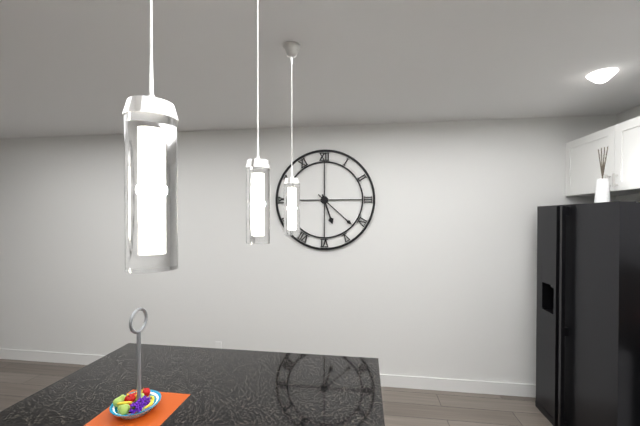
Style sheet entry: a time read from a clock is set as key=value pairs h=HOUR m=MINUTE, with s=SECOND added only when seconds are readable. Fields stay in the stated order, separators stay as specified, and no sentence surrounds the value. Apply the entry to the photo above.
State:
h=5 m=22
